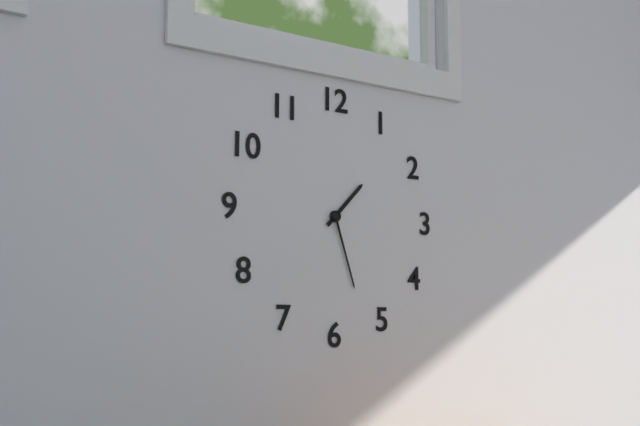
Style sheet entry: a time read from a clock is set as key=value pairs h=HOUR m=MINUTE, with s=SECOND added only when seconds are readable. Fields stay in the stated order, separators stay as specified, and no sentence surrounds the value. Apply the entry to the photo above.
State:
h=1 m=27
